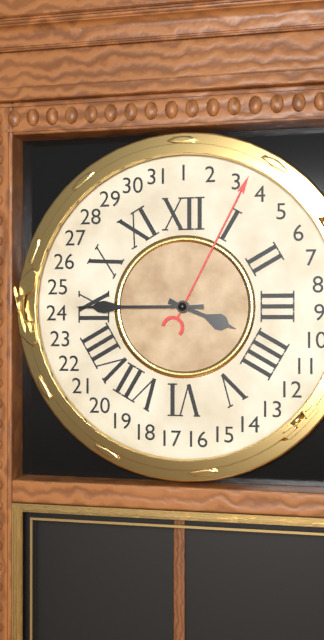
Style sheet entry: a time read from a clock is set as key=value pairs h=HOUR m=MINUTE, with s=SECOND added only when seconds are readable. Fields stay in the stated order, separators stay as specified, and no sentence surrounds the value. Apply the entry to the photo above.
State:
h=3 m=45
